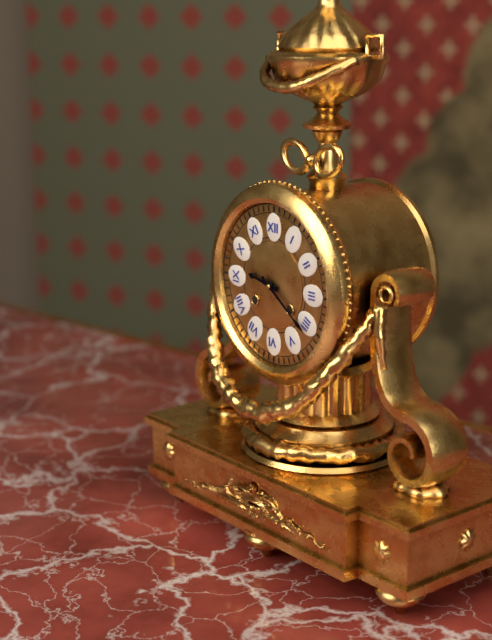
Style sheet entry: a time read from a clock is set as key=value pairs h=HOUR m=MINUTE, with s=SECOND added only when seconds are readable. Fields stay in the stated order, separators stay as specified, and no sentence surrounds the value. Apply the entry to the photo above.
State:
h=9 m=21
